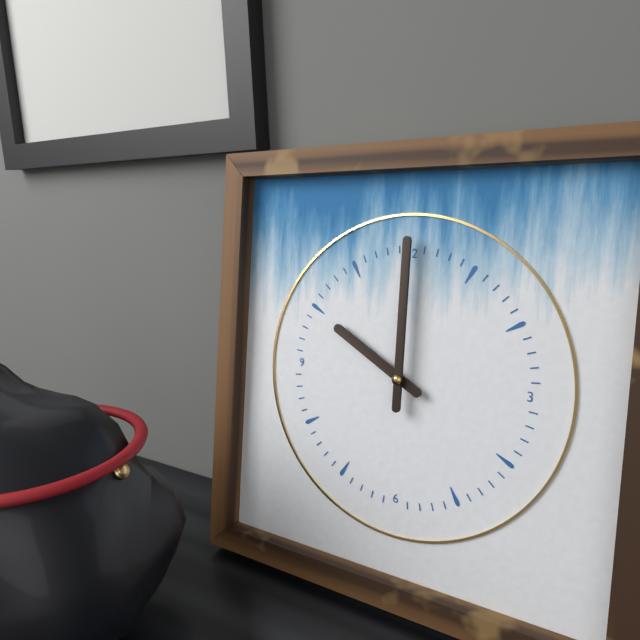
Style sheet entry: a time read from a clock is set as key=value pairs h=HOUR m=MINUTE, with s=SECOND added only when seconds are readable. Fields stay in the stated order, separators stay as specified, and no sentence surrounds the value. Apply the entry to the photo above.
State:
h=10 m=0
